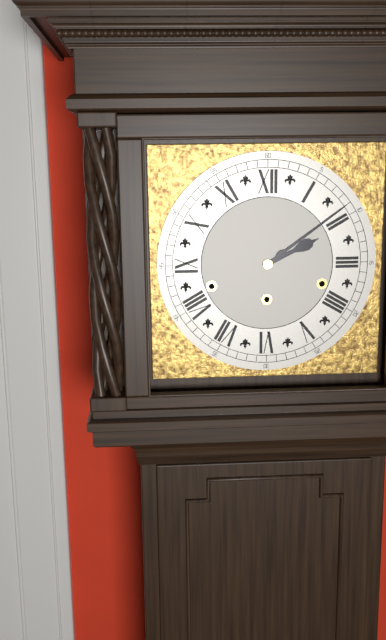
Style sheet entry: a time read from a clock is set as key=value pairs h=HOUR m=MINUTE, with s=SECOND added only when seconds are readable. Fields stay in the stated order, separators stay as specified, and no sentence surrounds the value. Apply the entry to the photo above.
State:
h=2 m=9
